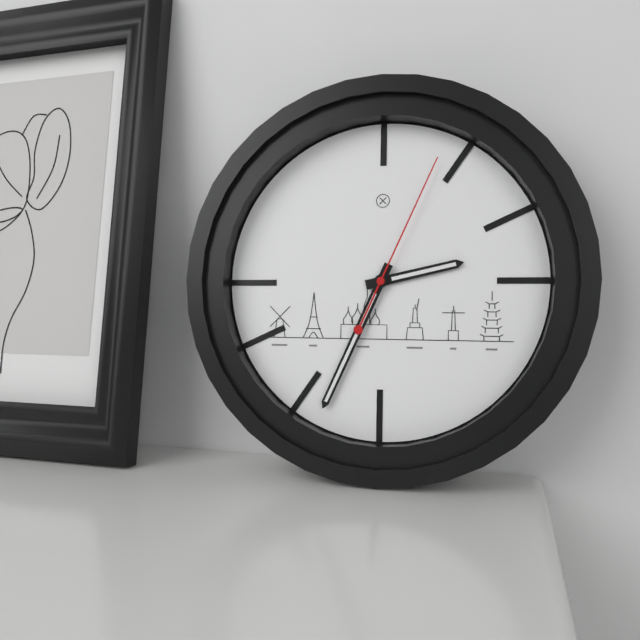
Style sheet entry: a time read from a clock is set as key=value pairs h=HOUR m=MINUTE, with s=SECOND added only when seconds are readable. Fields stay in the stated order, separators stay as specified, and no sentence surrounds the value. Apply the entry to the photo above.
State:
h=2 m=34 s=4
